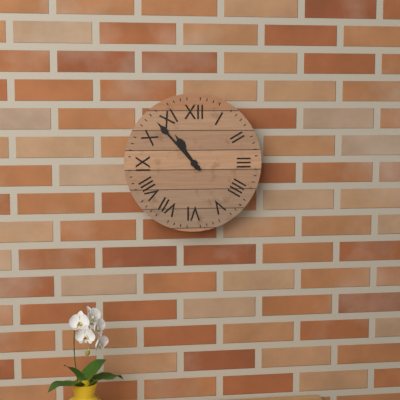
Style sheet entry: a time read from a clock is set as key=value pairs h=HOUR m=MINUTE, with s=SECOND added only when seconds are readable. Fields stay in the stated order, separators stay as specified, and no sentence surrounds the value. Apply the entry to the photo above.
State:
h=10 m=53
